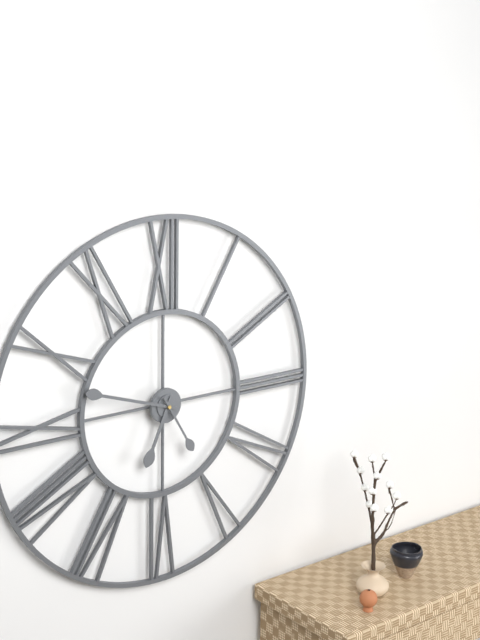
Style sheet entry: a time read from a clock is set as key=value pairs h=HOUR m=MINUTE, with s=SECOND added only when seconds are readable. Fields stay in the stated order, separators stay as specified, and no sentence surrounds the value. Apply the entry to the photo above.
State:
h=6 m=48 s=25
